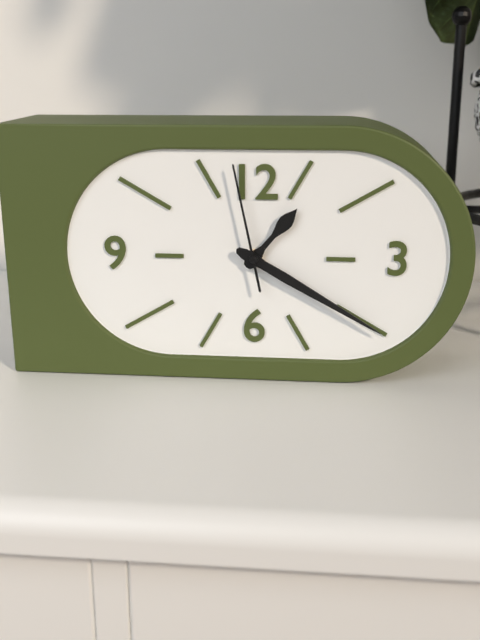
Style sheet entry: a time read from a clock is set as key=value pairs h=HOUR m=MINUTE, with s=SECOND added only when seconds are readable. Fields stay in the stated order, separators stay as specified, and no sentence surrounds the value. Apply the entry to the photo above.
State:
h=1 m=20 s=58
